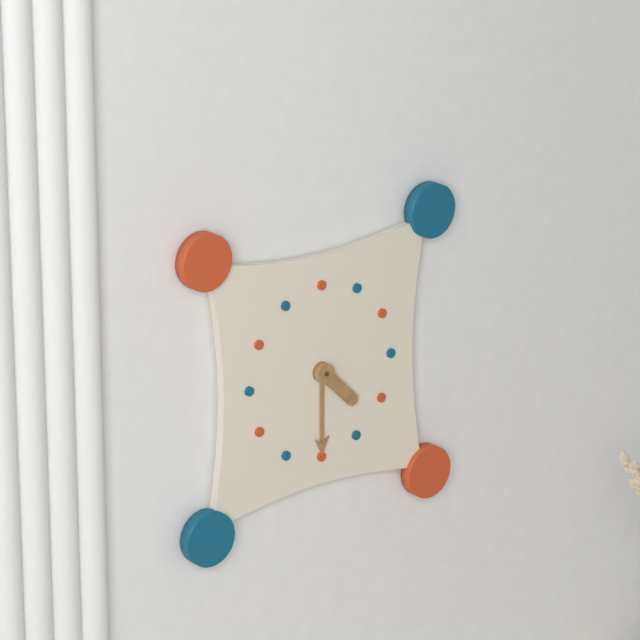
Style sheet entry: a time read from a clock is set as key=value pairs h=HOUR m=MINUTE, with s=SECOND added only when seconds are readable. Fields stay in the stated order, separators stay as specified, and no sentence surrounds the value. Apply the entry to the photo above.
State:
h=4 m=30
